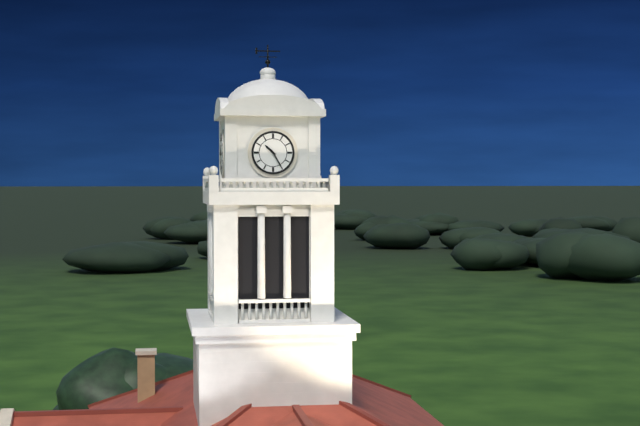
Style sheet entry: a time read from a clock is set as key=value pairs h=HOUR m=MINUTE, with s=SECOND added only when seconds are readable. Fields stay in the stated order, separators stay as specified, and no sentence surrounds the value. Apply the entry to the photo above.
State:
h=10 m=25
